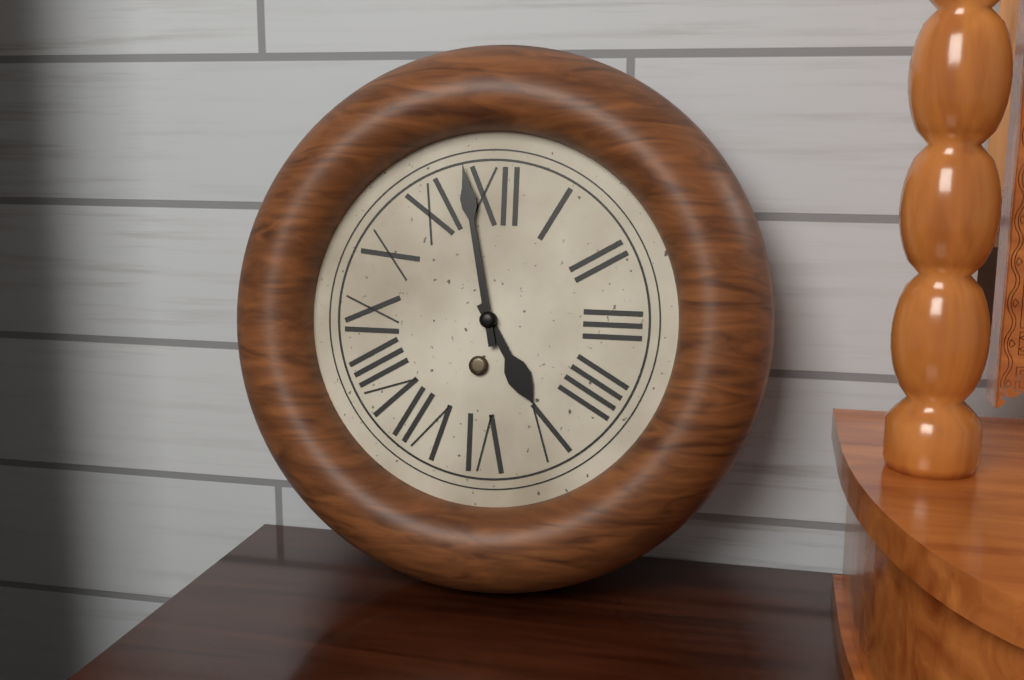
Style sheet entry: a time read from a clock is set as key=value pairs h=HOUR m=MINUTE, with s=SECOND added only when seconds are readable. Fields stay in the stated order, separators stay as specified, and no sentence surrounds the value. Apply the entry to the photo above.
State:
h=4 m=58
